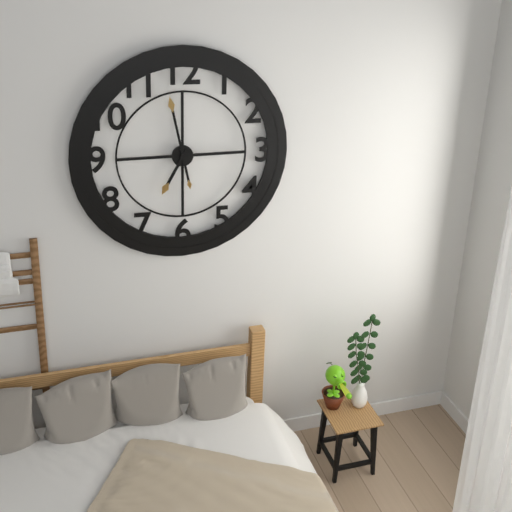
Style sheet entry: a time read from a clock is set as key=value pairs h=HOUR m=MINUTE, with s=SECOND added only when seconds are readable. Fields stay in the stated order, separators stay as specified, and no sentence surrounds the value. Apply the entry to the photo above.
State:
h=6 m=58
